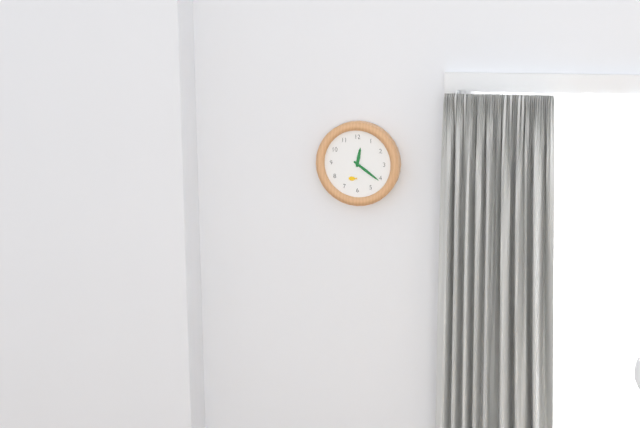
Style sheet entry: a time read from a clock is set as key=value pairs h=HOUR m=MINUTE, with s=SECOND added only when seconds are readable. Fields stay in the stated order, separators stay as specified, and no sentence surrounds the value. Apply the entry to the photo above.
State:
h=12 m=21
